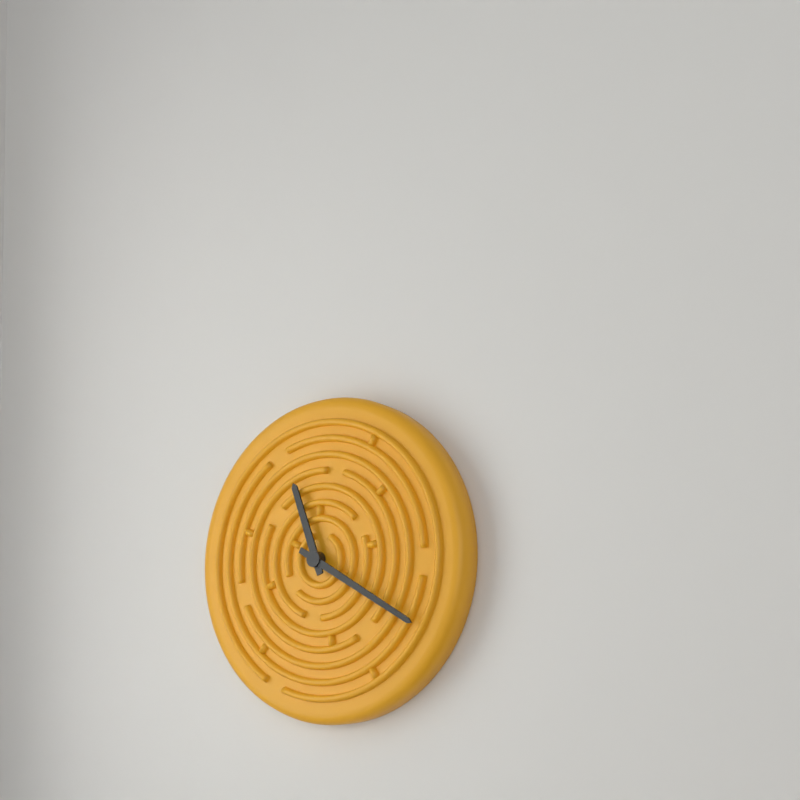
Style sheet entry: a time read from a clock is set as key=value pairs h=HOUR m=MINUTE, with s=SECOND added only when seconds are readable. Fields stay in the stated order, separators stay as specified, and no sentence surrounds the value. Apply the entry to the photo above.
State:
h=11 m=20
